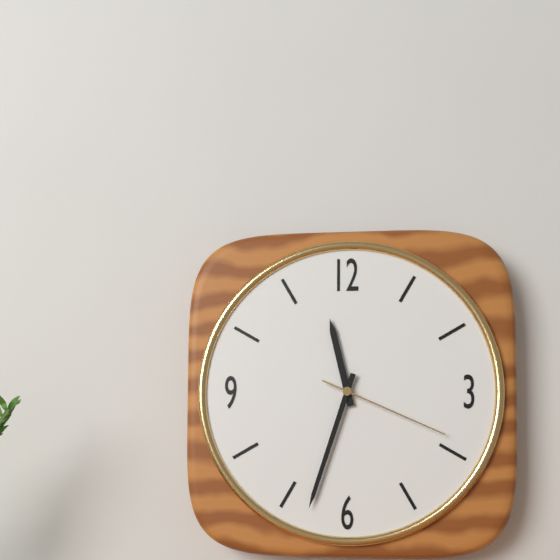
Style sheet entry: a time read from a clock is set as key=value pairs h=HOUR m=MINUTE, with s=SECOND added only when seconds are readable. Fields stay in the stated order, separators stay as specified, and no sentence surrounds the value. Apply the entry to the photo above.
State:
h=11 m=33 s=19
